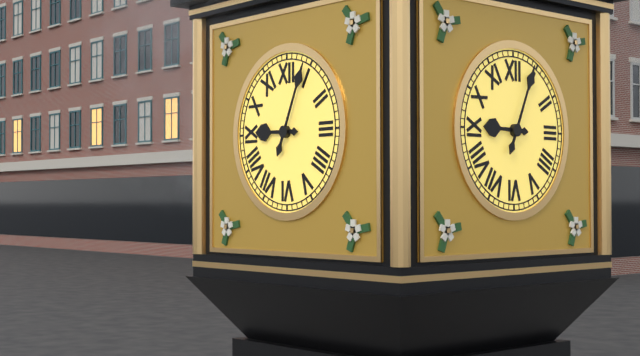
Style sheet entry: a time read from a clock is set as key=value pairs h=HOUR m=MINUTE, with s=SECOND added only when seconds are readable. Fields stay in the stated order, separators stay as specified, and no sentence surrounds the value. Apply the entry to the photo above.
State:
h=9 m=4
